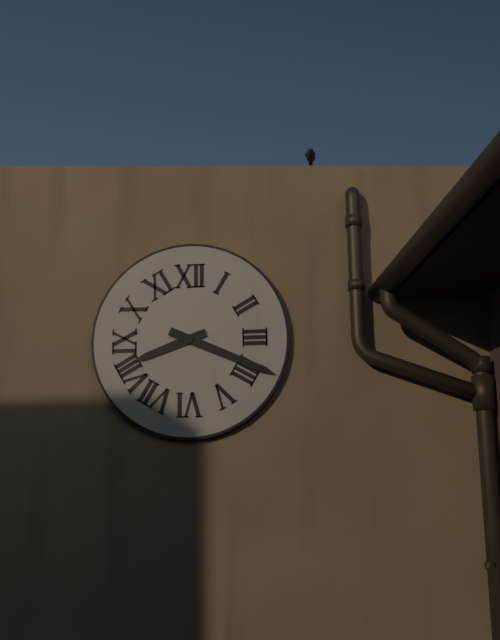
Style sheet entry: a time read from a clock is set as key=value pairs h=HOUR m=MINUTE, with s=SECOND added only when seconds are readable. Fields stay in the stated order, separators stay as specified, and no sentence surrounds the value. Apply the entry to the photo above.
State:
h=8 m=19
